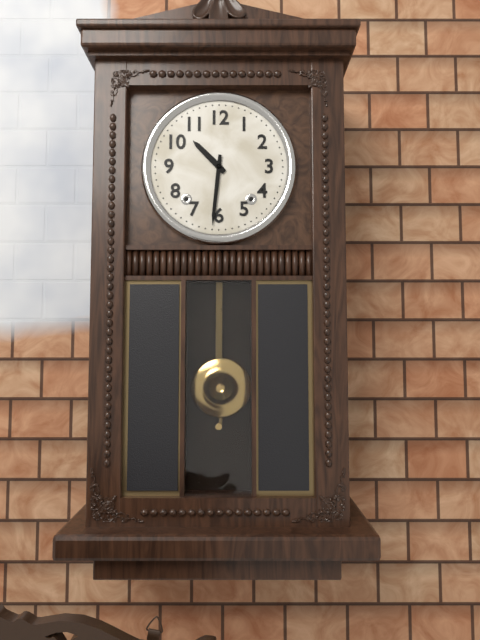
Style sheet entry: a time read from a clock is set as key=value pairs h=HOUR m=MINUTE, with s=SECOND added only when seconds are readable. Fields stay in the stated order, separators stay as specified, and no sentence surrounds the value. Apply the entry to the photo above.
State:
h=10 m=31
